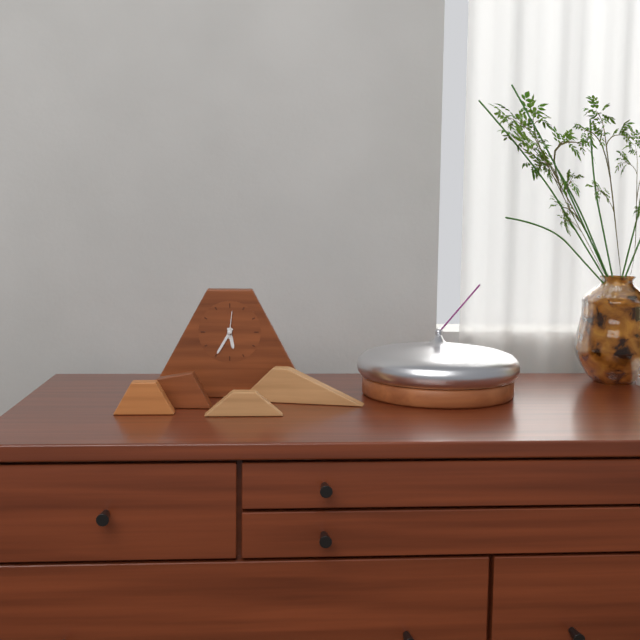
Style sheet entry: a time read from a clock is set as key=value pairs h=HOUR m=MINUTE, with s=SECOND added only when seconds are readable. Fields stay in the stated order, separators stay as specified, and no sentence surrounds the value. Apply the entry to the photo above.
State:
h=5 m=35
